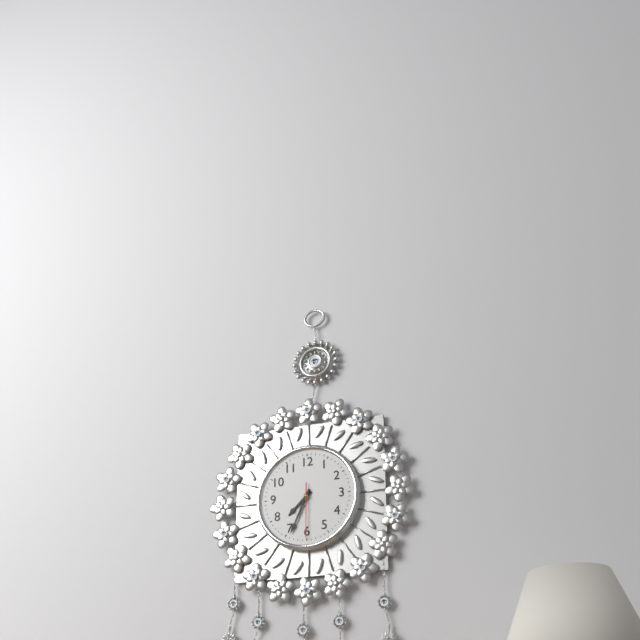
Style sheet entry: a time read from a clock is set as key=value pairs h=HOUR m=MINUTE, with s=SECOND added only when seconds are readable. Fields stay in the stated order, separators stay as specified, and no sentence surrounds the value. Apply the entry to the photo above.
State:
h=7 m=34
